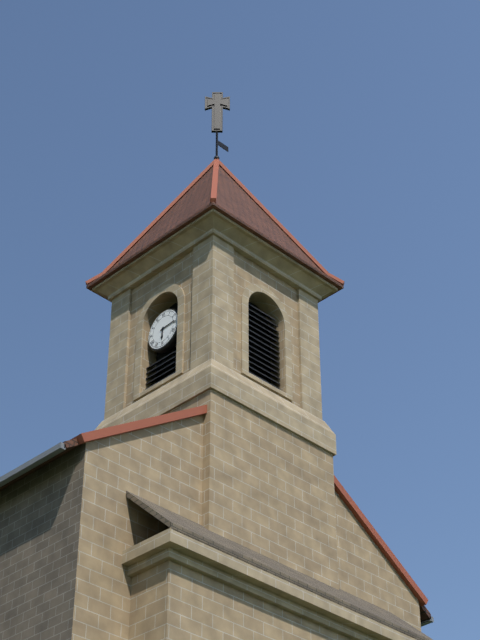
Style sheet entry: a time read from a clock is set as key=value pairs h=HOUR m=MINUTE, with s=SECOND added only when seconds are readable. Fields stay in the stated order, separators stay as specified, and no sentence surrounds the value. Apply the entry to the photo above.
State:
h=6 m=14
